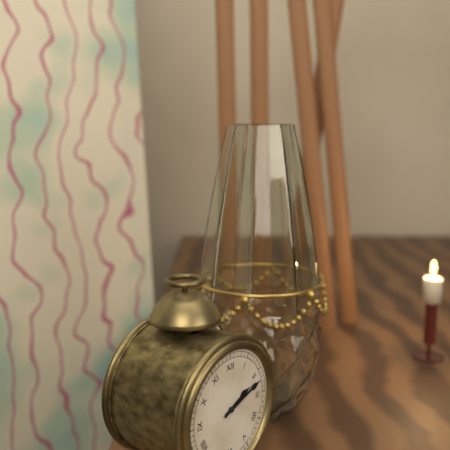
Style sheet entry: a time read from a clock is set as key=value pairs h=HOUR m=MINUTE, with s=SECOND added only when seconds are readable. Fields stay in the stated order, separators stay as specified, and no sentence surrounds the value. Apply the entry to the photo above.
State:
h=2 m=12
